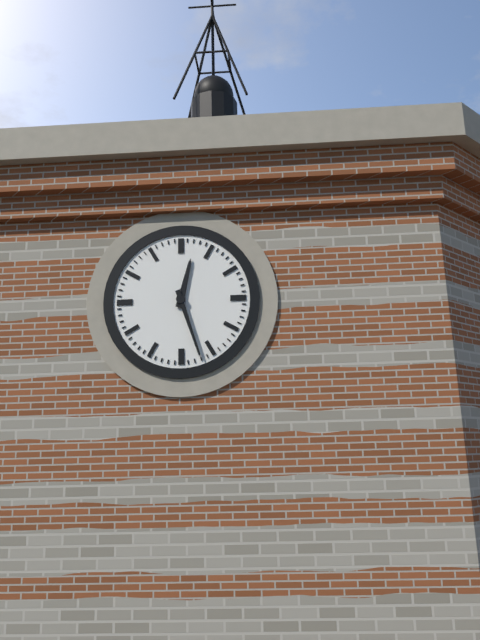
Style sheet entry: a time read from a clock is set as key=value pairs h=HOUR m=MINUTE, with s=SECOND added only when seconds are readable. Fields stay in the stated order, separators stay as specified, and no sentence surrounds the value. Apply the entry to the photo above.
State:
h=12 m=27
